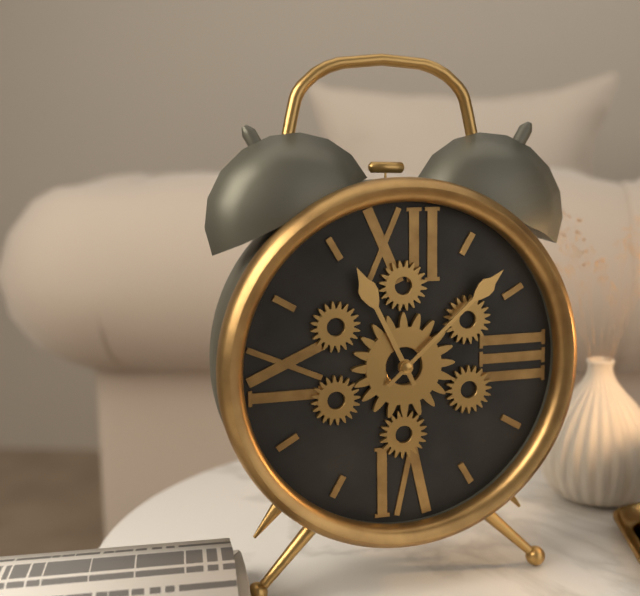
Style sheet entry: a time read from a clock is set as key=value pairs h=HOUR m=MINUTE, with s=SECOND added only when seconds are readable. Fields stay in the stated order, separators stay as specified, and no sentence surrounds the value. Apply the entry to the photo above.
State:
h=11 m=8
